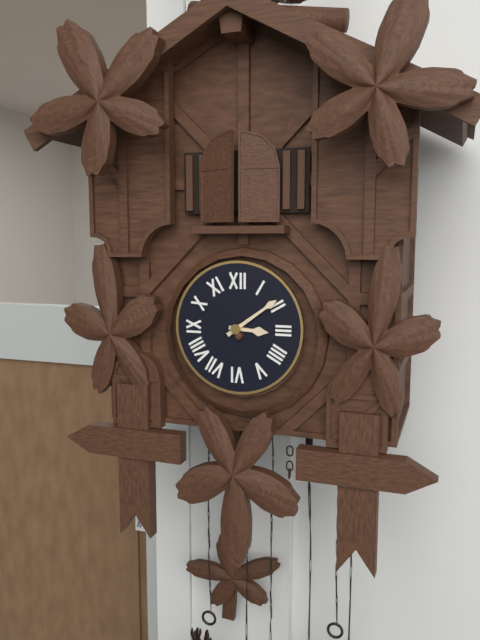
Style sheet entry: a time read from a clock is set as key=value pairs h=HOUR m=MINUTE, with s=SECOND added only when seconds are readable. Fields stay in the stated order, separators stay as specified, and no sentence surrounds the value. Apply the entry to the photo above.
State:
h=3 m=9
